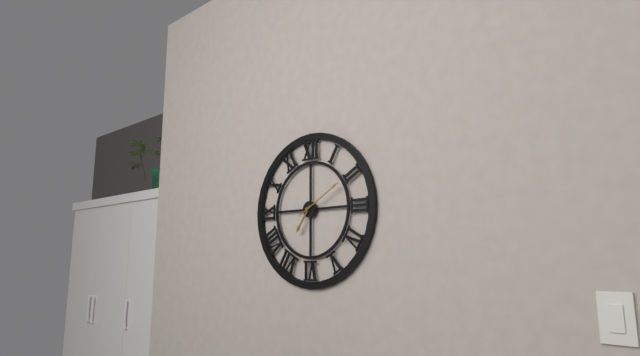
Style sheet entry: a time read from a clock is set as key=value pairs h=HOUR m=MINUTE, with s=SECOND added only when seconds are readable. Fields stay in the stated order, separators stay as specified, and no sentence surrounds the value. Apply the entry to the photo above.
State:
h=7 m=10
